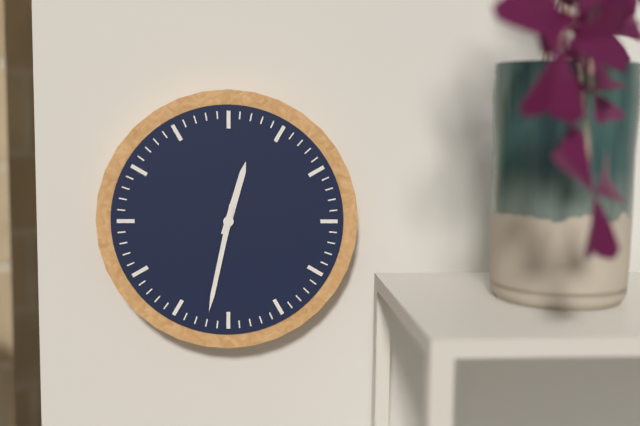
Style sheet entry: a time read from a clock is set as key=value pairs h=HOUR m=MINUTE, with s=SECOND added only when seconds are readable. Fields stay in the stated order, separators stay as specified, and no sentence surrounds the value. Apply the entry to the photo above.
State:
h=12 m=32
